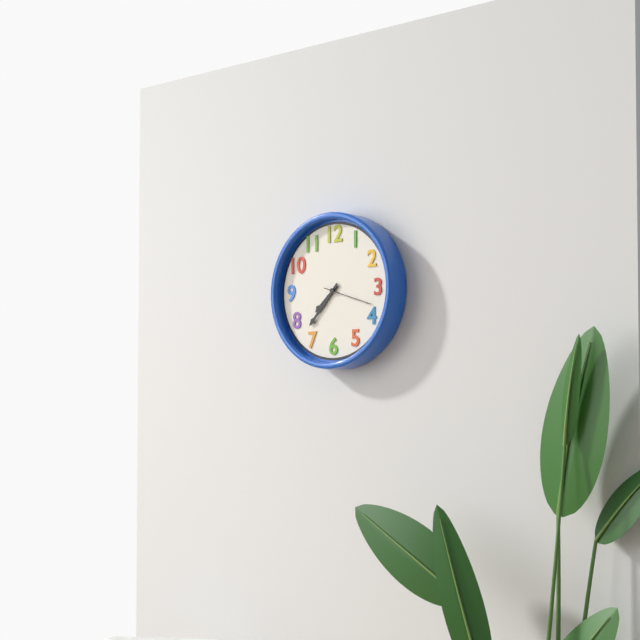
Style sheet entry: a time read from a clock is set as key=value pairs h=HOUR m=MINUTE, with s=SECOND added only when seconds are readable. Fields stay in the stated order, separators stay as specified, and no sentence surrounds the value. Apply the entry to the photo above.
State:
h=7 m=37 s=18
